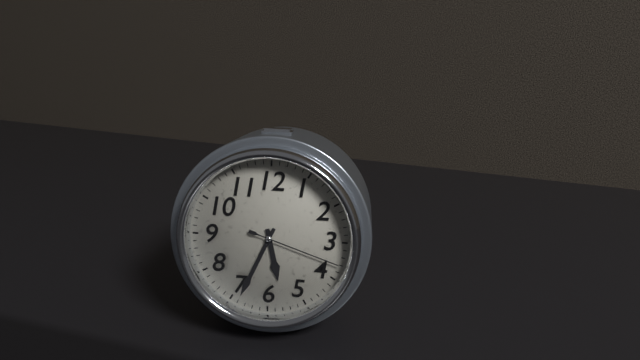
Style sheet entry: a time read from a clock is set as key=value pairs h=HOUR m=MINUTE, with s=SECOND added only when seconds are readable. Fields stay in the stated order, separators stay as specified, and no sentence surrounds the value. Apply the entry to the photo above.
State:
h=5 m=34 s=18
